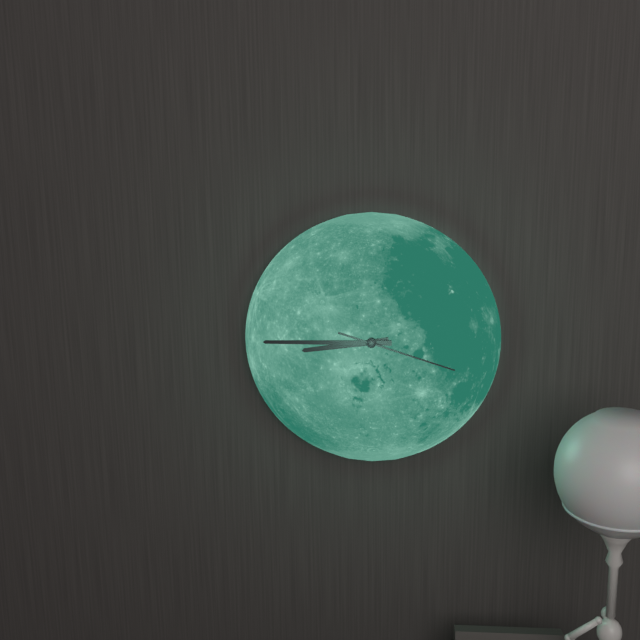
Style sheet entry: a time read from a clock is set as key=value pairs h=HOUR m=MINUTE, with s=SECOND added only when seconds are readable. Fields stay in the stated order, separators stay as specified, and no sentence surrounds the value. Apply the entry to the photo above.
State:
h=8 m=45 s=18
